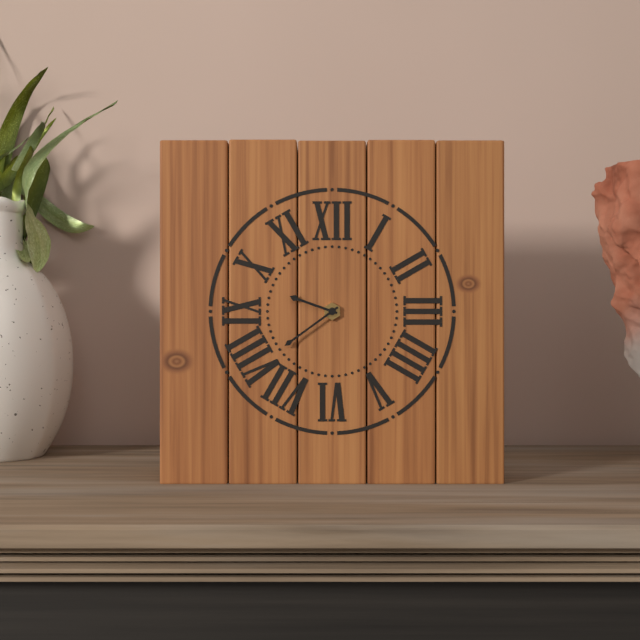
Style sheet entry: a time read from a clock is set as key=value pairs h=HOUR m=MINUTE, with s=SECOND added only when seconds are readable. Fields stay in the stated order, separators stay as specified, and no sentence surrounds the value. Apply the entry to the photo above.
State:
h=9 m=39
